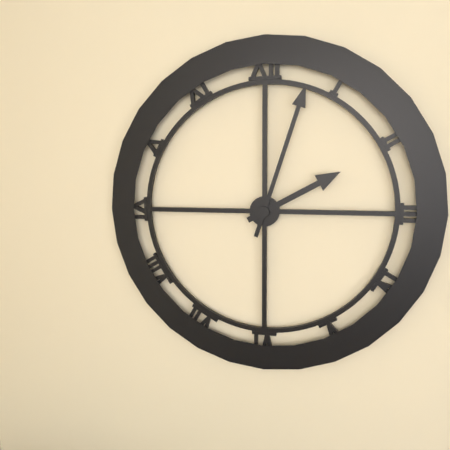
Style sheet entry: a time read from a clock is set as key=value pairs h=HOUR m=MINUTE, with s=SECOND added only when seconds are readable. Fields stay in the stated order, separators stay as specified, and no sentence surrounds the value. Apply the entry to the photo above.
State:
h=2 m=3
